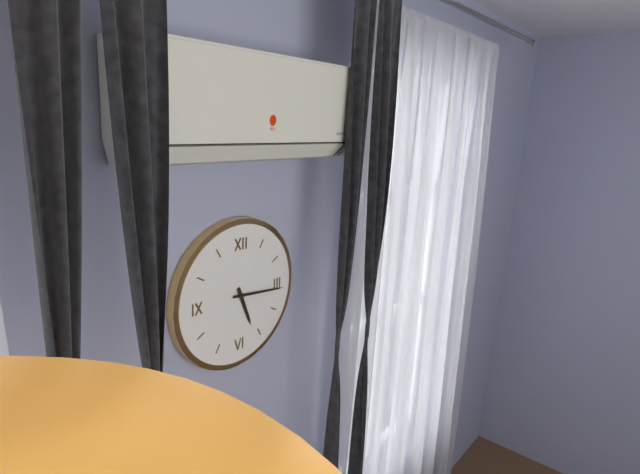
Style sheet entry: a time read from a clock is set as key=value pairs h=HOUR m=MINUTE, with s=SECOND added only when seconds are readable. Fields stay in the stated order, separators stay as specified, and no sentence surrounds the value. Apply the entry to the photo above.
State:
h=5 m=16
